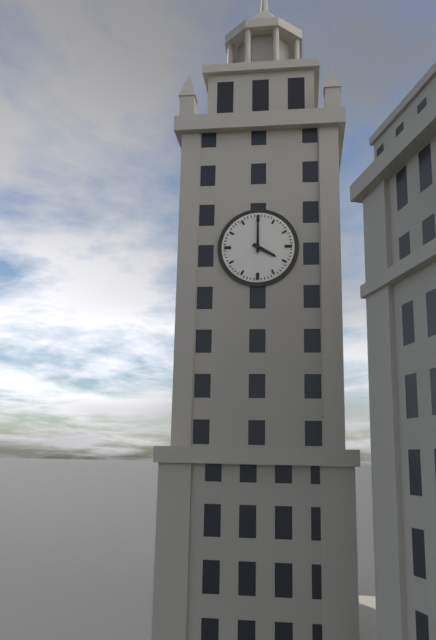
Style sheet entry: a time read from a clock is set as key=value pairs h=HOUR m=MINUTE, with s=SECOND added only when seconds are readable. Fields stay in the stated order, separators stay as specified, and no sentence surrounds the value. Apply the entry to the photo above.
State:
h=4 m=0
